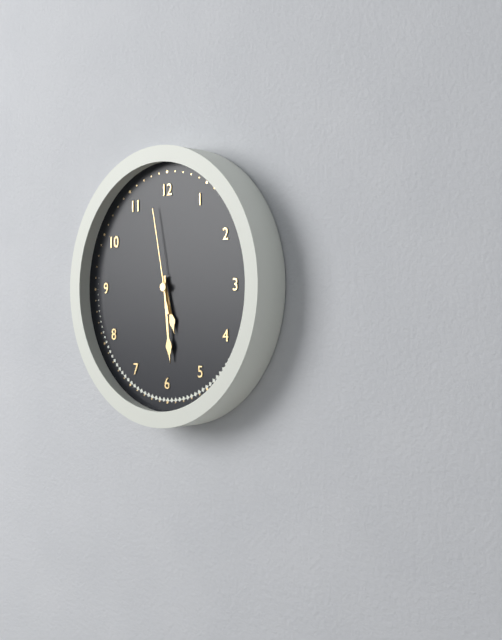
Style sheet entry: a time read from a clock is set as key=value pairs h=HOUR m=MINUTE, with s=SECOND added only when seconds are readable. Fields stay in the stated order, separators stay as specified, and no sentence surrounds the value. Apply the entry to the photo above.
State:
h=5 m=29 s=58
